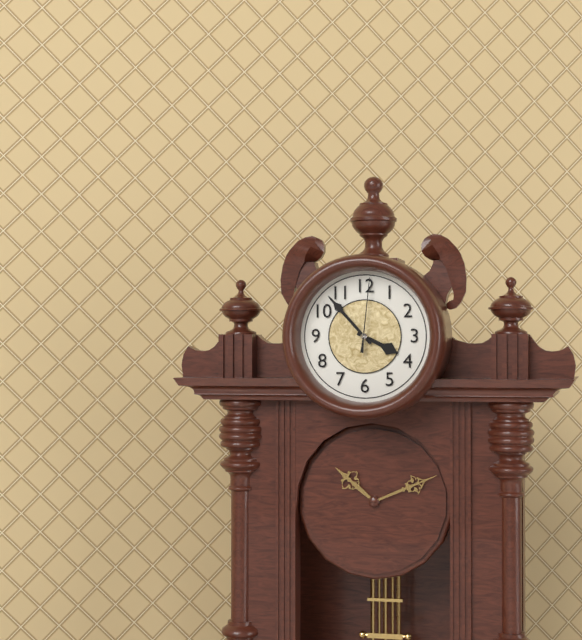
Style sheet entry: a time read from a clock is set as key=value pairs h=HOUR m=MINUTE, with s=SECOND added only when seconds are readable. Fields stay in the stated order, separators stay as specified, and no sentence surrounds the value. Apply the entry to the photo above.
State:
h=3 m=53 s=1
